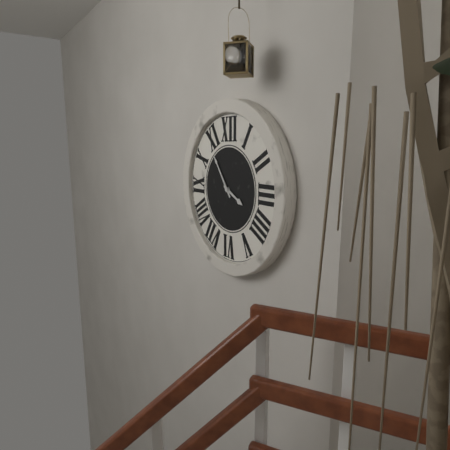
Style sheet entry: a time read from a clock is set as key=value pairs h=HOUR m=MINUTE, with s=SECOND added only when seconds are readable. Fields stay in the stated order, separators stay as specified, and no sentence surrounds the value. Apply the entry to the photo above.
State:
h=3 m=54
